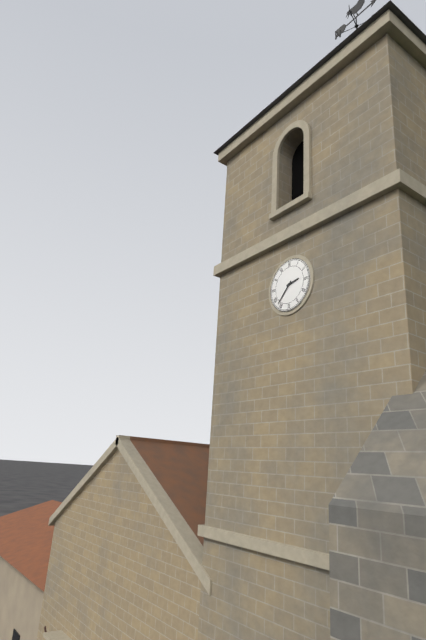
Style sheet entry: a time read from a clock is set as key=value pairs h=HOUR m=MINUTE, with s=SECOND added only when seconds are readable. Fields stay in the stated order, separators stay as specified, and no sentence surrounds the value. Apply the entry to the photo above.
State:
h=2 m=37
